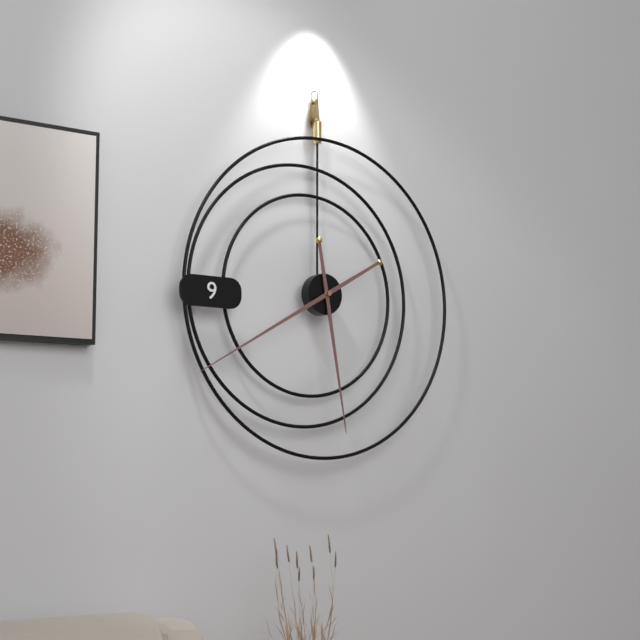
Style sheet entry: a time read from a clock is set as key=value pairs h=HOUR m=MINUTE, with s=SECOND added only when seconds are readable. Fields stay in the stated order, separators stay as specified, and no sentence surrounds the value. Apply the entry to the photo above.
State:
h=5 m=40
